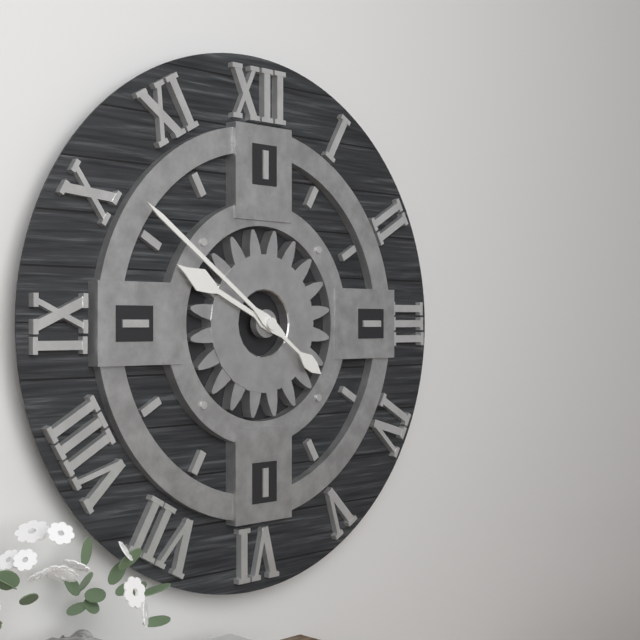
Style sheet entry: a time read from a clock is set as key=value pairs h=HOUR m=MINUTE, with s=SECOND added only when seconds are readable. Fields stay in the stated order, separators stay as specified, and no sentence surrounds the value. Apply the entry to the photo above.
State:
h=9 m=51
